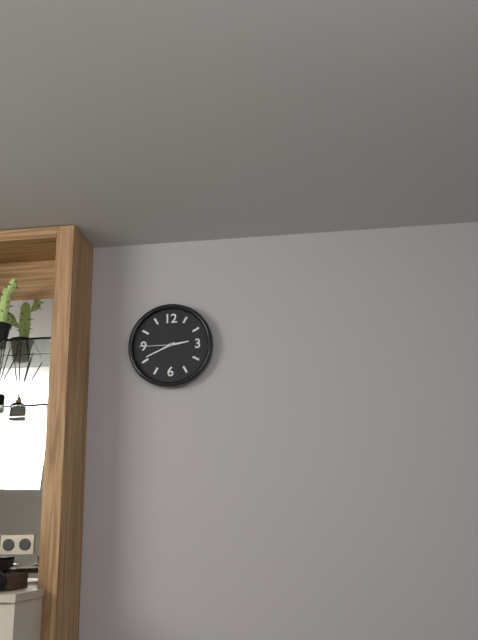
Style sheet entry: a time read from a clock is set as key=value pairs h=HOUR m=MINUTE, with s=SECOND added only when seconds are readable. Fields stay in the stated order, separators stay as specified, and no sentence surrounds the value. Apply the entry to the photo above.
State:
h=2 m=41
